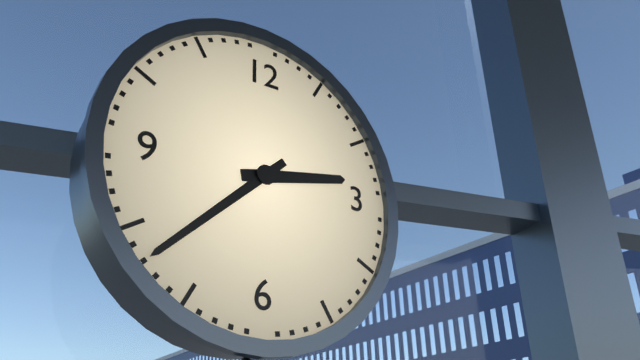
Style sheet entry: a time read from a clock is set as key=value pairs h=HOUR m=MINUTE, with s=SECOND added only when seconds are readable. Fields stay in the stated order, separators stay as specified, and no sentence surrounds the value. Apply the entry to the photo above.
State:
h=2 m=38
